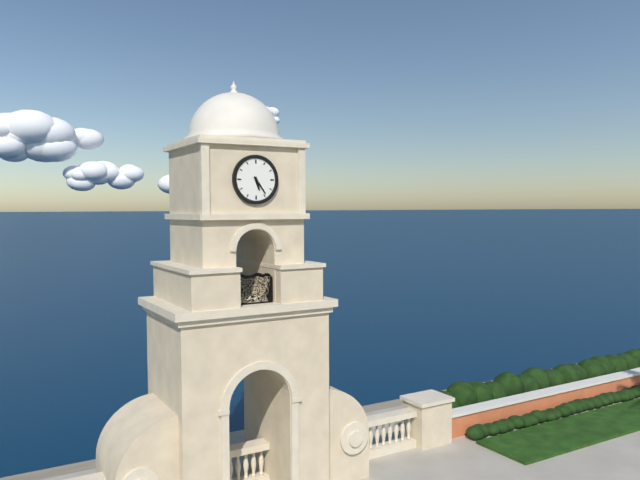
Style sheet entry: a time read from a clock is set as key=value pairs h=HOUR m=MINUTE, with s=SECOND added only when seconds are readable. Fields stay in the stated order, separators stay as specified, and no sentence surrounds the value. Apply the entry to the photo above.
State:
h=5 m=24
